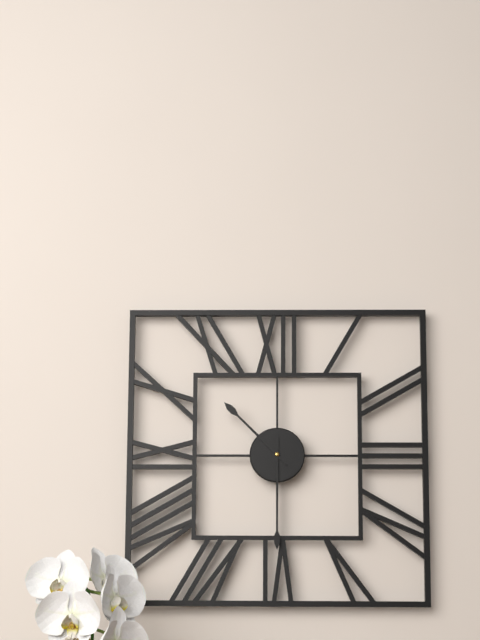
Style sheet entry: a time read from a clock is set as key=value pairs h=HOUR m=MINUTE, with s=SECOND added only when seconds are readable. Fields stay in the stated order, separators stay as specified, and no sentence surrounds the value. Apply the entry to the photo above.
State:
h=10 m=30
